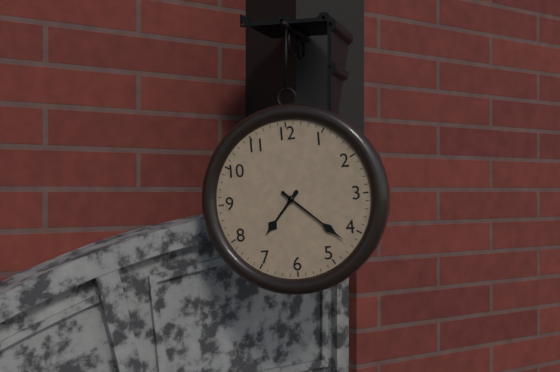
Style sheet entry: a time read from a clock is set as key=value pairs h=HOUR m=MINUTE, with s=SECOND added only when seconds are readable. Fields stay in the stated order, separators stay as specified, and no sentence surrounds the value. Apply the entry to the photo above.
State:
h=7 m=22
